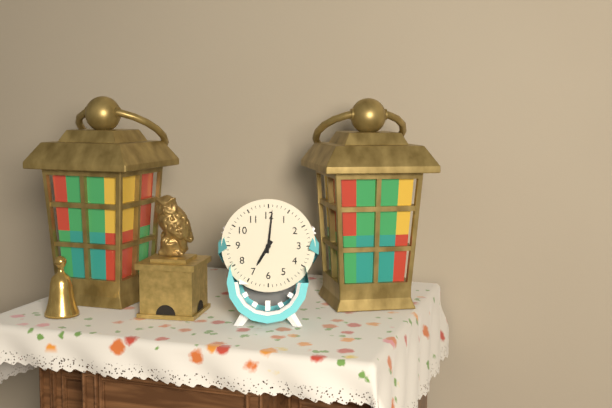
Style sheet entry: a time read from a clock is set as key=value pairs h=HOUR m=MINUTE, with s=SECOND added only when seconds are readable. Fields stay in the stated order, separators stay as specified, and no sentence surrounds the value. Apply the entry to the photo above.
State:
h=7 m=1
